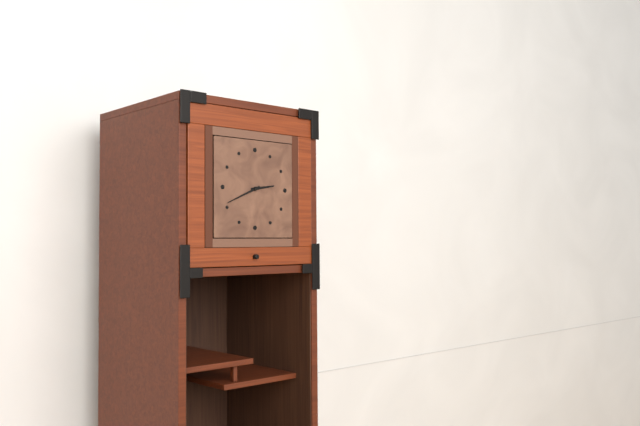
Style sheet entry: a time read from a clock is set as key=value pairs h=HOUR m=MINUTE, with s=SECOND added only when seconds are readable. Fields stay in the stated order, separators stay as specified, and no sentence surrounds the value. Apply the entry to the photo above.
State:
h=2 m=41
